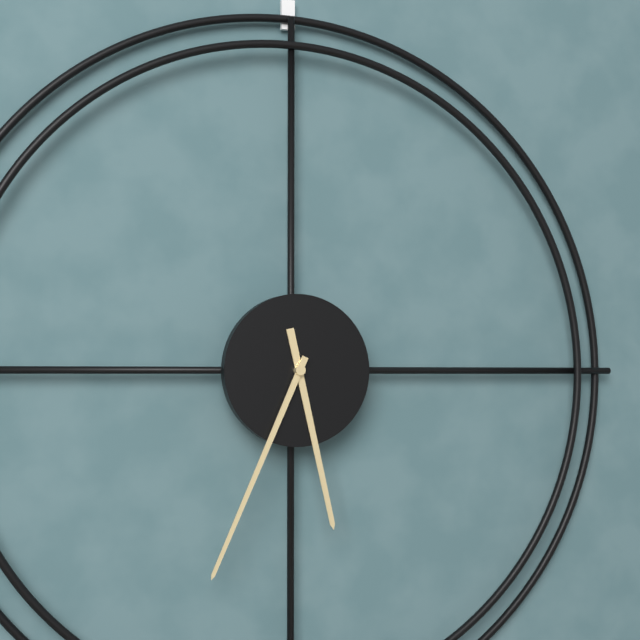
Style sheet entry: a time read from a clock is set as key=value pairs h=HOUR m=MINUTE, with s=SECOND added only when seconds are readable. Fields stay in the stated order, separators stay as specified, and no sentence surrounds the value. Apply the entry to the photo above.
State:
h=5 m=34
